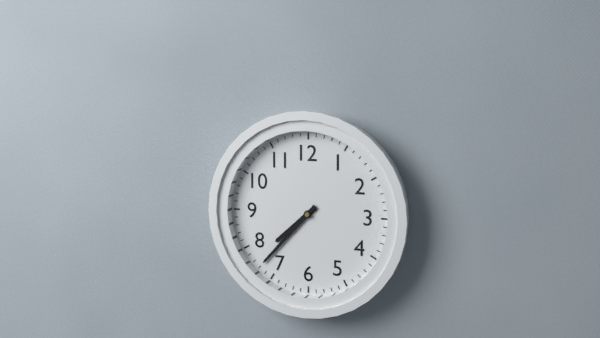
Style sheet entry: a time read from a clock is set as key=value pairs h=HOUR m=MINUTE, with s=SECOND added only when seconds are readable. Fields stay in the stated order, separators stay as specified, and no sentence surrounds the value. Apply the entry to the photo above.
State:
h=7 m=37
